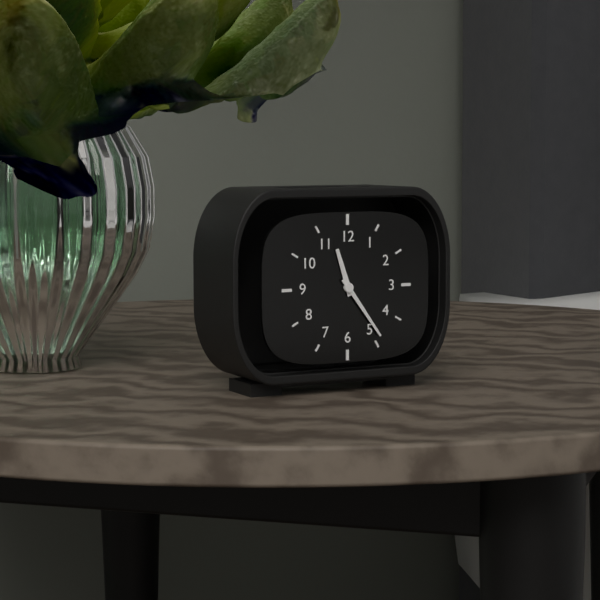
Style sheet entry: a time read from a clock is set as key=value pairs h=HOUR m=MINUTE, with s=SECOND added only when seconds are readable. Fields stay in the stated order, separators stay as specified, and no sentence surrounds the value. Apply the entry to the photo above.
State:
h=11 m=24
